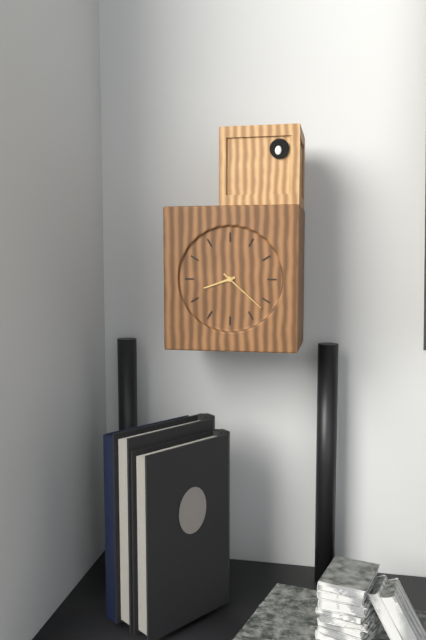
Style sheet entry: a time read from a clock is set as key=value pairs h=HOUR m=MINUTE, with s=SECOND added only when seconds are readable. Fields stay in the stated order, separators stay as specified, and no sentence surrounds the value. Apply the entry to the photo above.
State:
h=8 m=22
